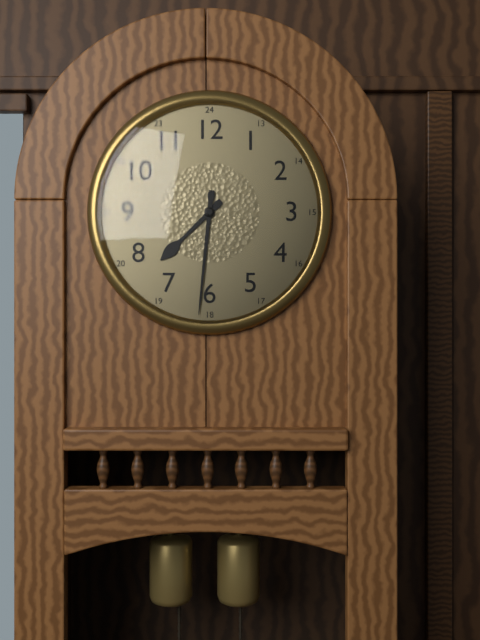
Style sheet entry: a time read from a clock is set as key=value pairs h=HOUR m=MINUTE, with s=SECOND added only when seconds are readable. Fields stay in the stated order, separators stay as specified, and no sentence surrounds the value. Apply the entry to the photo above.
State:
h=7 m=31
